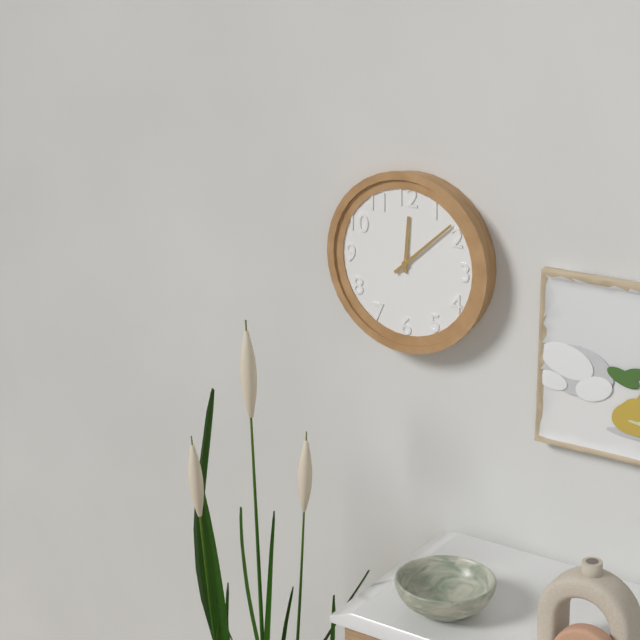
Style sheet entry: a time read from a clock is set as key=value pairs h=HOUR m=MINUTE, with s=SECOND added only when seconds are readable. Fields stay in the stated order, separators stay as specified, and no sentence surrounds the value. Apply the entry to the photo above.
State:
h=12 m=8
